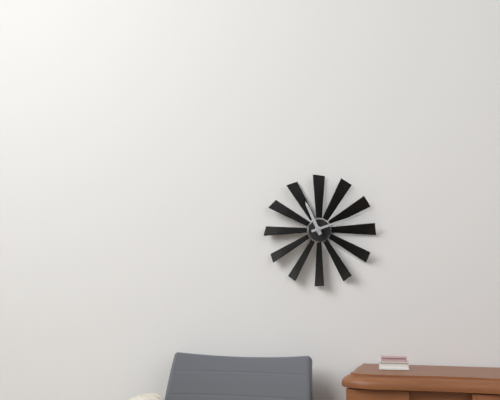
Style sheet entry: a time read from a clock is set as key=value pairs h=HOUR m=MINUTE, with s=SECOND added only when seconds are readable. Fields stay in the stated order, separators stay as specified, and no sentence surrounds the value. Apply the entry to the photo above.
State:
h=11 m=12
